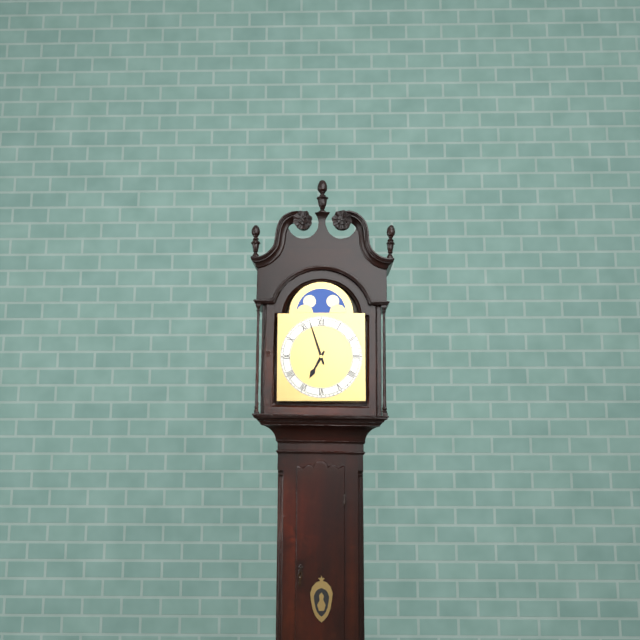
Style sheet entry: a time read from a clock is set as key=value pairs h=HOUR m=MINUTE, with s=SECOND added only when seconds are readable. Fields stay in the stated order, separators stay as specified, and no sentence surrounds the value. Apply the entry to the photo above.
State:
h=6 m=57
